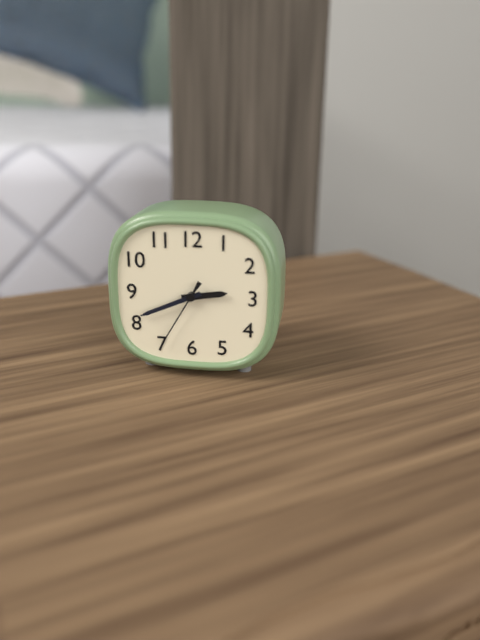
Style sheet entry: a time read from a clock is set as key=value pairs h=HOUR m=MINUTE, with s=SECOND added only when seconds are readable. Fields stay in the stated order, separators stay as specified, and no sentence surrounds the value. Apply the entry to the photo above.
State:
h=2 m=41 s=35
